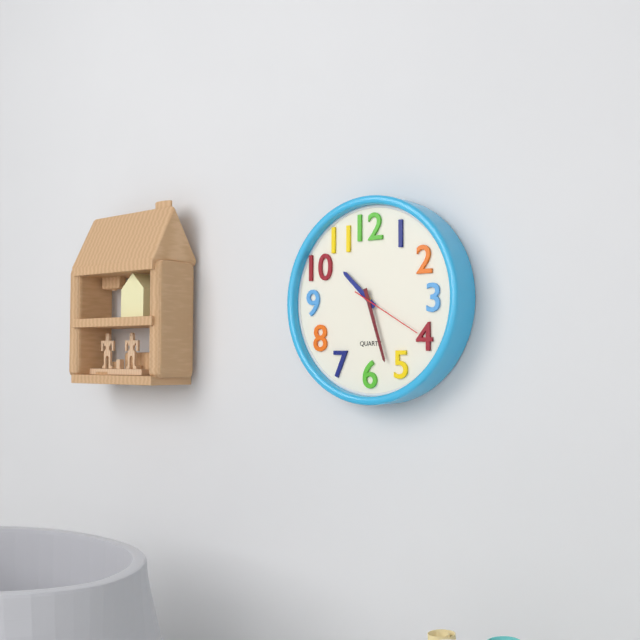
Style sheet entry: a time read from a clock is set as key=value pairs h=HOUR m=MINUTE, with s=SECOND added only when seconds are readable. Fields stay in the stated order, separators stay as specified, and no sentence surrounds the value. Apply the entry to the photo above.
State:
h=10 m=27 s=20
